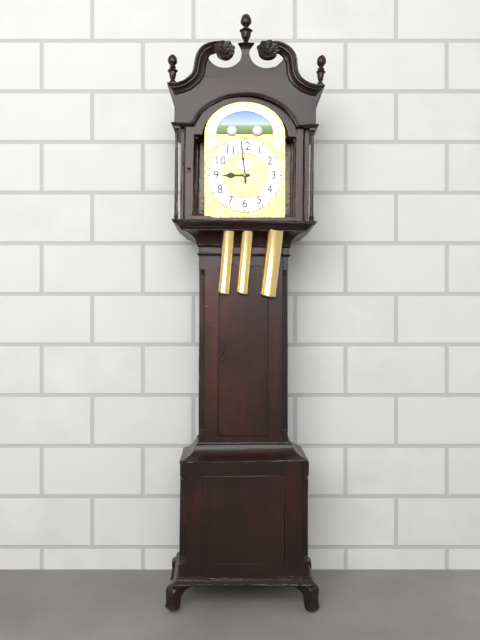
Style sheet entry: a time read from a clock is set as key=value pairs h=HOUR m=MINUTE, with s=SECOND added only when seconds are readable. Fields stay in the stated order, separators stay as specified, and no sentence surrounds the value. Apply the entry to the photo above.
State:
h=8 m=59
